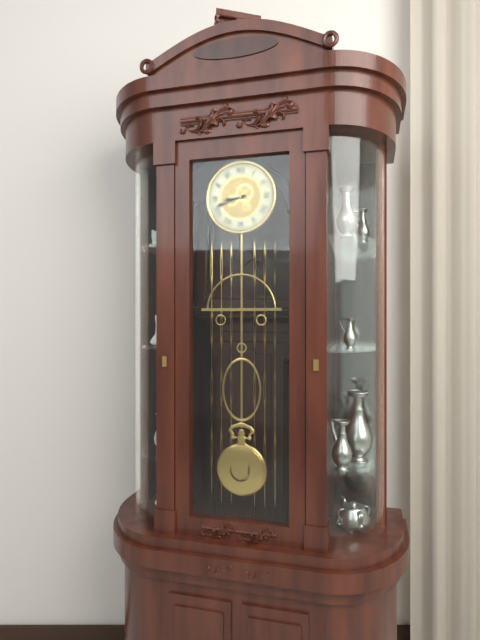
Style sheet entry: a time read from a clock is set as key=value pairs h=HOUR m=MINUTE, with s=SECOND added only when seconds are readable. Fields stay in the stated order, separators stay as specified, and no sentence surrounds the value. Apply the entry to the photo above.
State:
h=8 m=42
